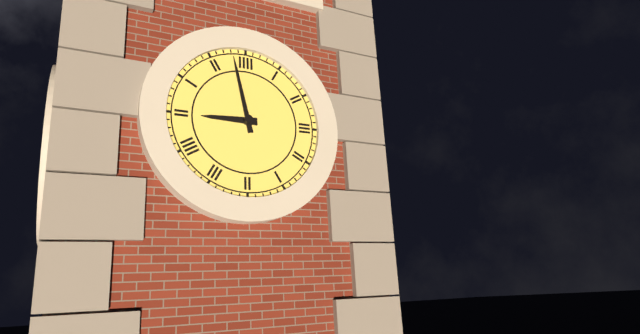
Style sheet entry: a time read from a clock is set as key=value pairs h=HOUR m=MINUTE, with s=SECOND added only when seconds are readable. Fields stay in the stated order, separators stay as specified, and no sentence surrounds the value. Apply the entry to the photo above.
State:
h=8 m=58
